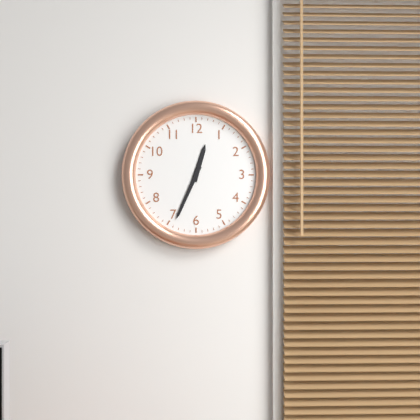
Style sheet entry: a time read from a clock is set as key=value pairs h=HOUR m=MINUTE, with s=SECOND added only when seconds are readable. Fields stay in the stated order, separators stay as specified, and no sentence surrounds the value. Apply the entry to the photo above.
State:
h=12 m=34
